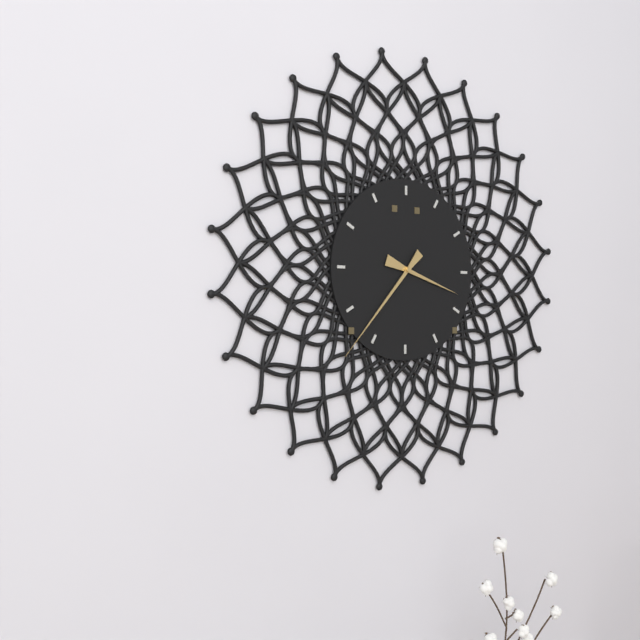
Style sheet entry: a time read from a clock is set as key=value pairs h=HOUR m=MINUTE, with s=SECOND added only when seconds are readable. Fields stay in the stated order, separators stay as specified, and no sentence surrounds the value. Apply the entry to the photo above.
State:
h=3 m=37
